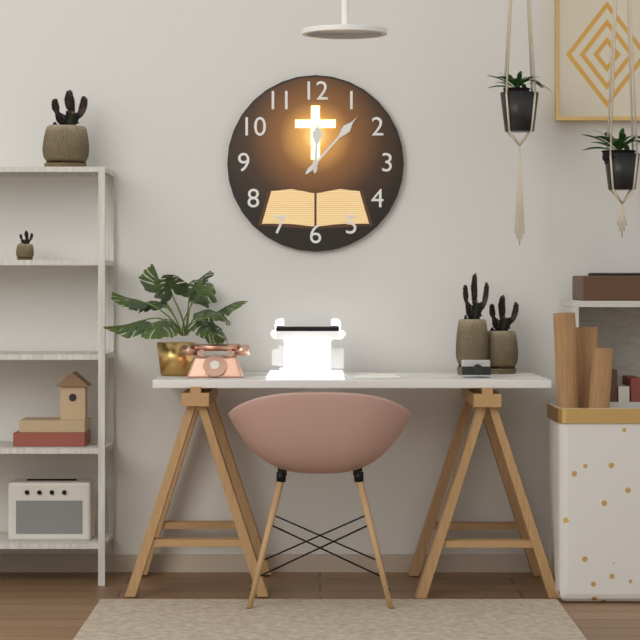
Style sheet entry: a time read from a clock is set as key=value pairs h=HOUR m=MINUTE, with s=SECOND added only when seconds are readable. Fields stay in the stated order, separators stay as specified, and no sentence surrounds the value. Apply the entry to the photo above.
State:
h=12 m=7
